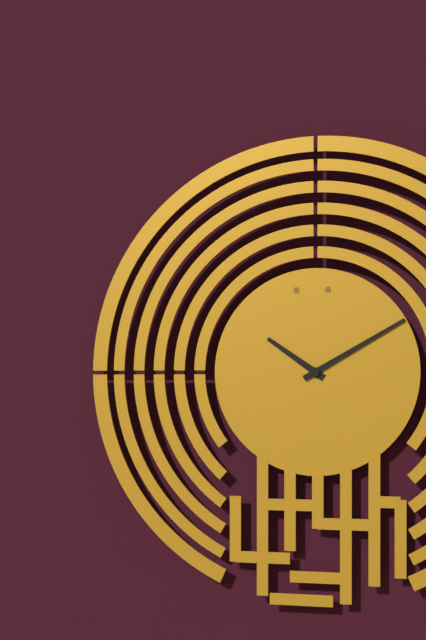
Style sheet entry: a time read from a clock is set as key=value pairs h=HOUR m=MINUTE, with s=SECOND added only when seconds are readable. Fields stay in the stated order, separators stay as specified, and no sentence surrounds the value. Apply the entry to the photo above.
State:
h=10 m=10
